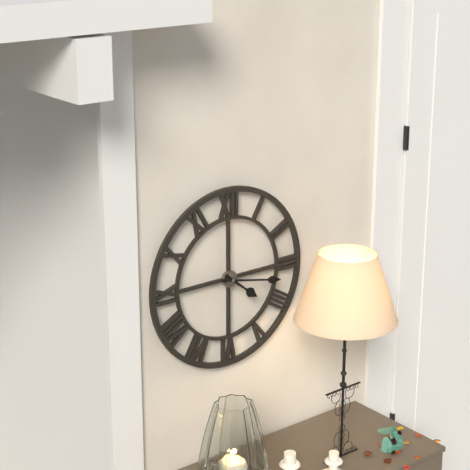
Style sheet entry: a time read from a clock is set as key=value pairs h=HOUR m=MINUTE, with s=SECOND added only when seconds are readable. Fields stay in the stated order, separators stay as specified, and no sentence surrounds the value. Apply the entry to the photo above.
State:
h=4 m=17
